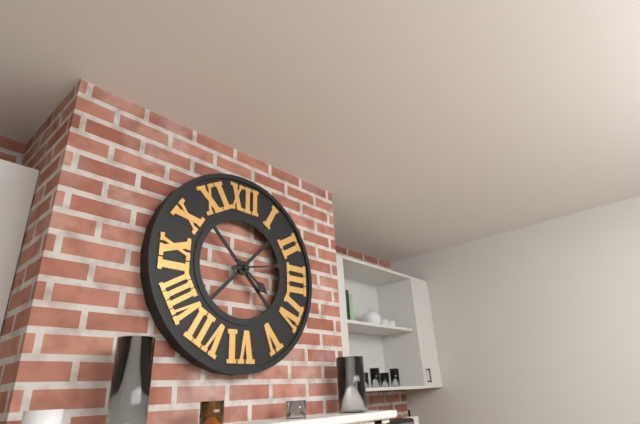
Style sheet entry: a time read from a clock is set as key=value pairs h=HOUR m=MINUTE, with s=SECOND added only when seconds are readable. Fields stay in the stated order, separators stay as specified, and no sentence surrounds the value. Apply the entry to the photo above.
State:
h=4 m=13
